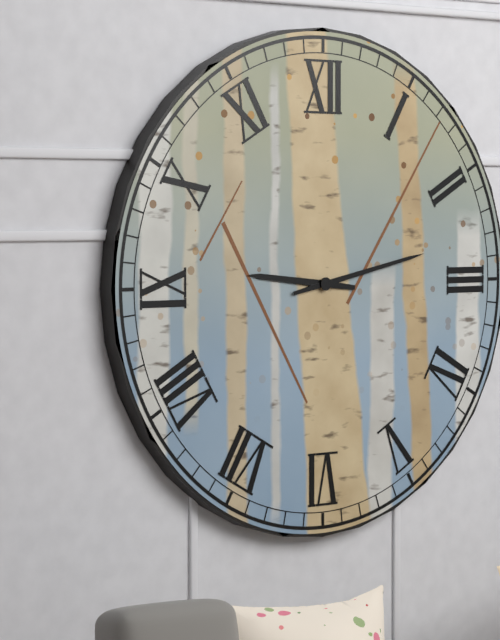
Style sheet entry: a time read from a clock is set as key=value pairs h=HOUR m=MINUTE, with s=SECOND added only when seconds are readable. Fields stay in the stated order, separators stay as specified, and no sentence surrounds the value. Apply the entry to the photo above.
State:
h=9 m=13
